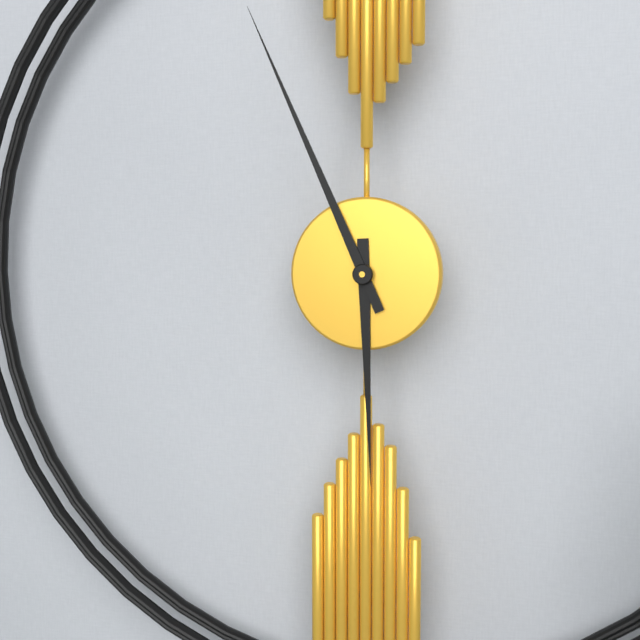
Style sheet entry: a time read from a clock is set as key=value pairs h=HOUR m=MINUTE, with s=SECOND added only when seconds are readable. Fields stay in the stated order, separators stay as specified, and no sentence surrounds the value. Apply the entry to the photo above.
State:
h=5 m=56
